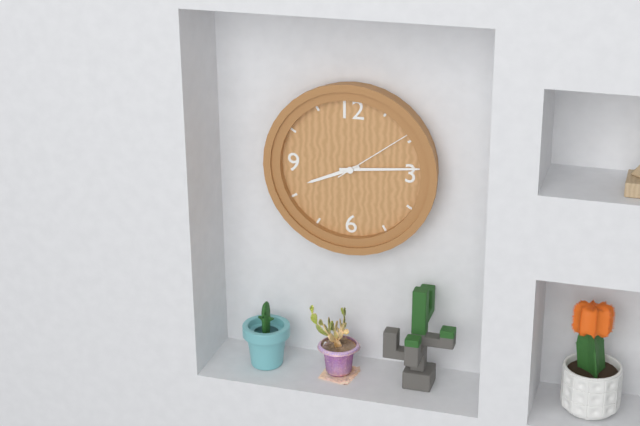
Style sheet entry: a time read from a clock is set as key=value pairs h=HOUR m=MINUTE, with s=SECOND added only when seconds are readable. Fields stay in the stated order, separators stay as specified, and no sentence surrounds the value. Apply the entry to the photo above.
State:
h=8 m=14 s=9
